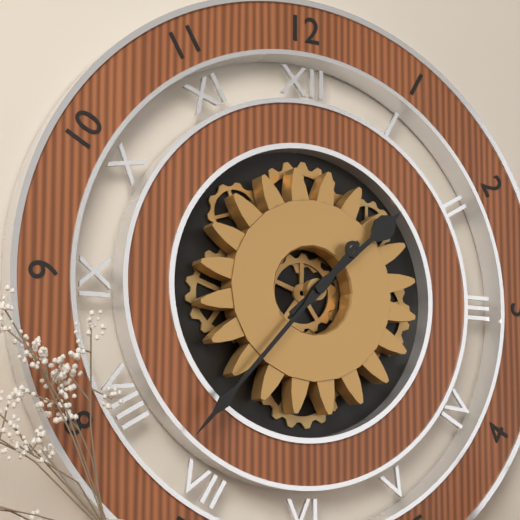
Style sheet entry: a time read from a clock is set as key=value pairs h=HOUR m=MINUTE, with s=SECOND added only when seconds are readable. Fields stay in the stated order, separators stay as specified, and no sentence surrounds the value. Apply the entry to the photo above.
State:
h=1 m=37
